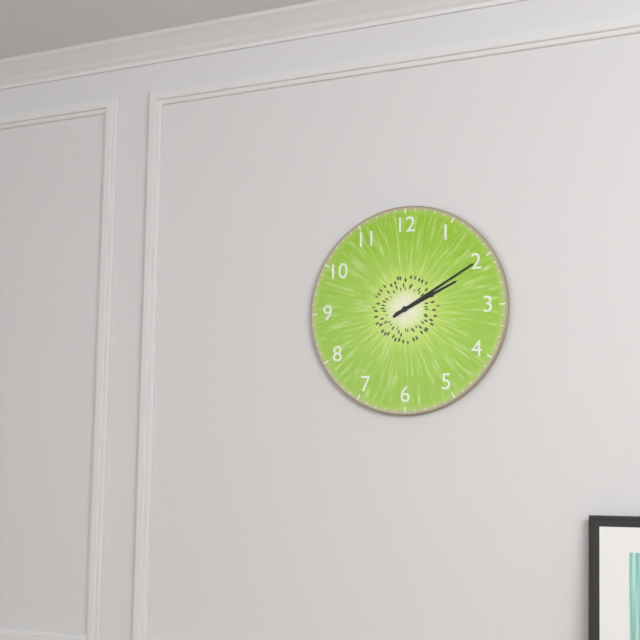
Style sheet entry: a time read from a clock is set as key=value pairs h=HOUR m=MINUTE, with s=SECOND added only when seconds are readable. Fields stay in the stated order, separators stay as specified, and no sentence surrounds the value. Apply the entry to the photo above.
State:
h=2 m=10
